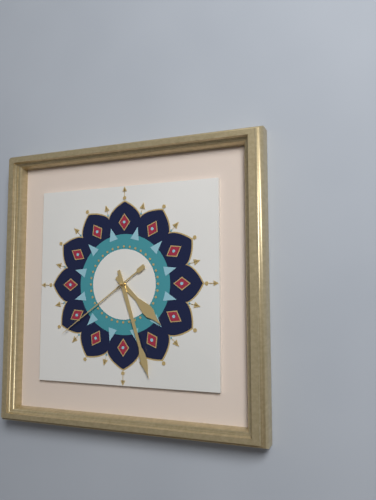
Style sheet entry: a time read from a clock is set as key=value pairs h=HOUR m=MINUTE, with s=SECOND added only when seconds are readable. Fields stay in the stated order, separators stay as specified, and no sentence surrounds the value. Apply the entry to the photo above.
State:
h=4 m=27 s=39
